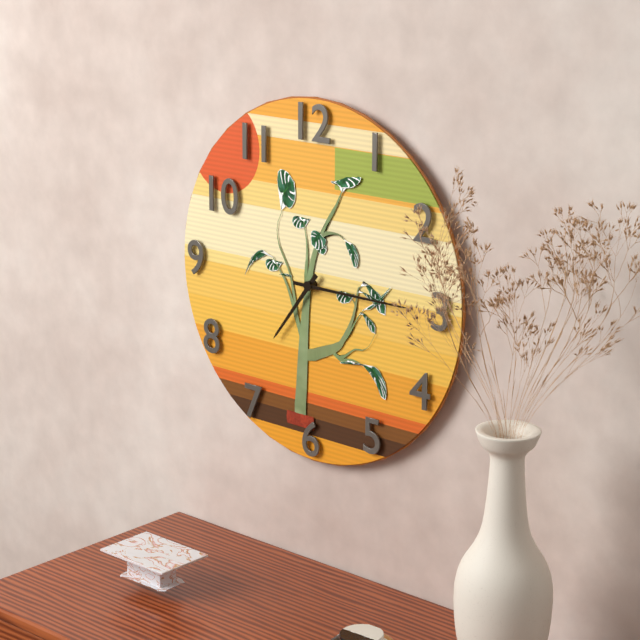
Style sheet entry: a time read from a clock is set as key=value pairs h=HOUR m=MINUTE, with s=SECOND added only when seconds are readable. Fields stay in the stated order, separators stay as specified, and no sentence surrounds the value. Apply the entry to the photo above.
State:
h=7 m=15
